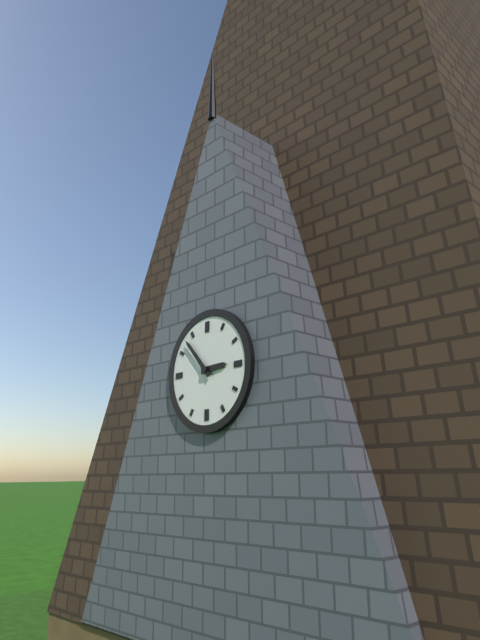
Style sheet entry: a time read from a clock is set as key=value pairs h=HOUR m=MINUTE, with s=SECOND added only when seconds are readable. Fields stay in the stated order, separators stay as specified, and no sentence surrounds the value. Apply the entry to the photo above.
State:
h=2 m=53
